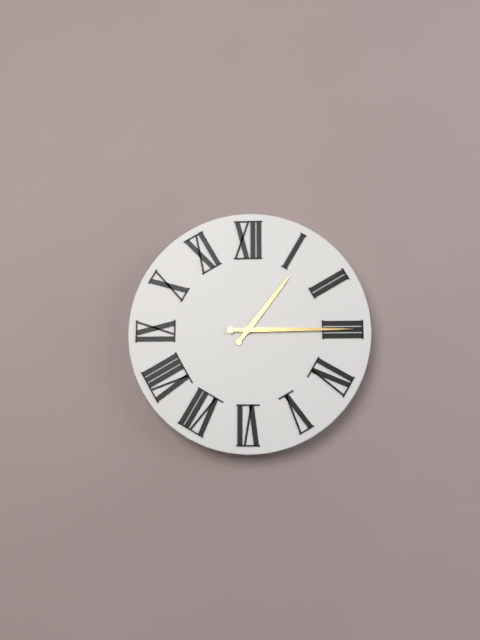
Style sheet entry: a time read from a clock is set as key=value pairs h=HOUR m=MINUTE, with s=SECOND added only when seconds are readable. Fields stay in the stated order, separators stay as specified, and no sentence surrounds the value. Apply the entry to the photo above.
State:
h=1 m=15
